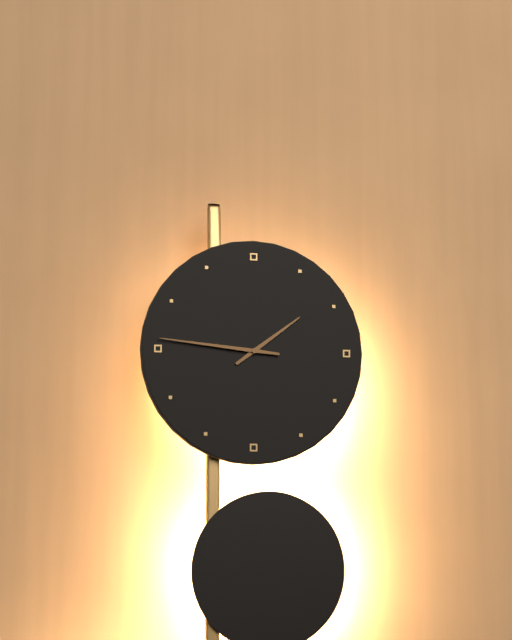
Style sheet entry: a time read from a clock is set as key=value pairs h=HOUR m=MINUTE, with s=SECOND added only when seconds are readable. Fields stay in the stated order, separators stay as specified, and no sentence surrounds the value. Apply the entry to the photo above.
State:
h=1 m=46
